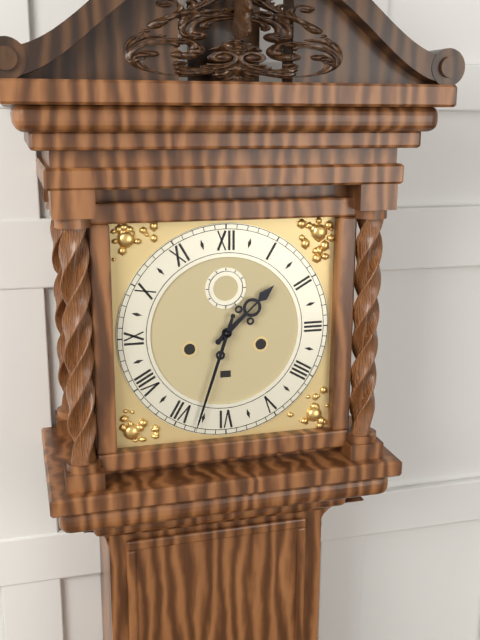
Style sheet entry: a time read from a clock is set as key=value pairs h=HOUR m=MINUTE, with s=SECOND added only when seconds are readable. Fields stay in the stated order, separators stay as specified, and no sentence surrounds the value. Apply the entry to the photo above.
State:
h=1 m=33
